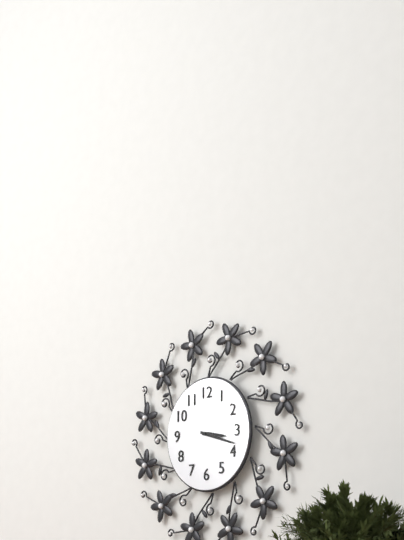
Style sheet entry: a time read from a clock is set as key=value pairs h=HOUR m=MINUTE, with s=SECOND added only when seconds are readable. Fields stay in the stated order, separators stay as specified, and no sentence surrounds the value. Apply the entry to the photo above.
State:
h=3 m=18
